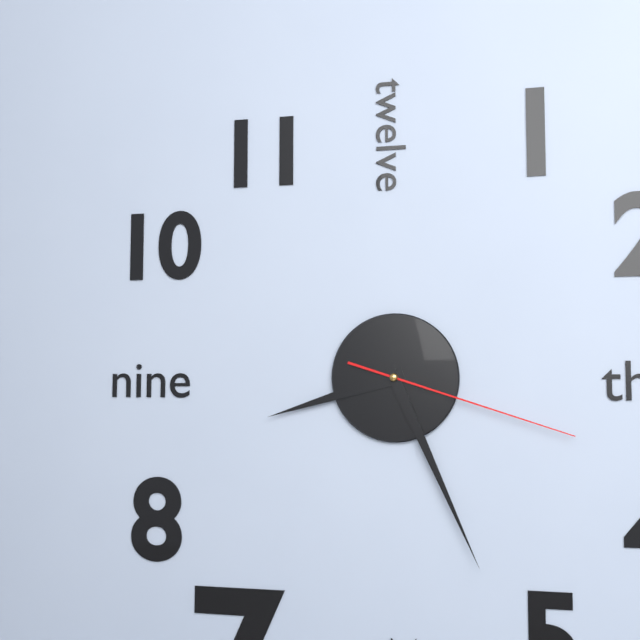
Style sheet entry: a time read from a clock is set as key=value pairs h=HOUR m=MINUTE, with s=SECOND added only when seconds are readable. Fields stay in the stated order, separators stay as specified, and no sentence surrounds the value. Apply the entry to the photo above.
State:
h=8 m=26 s=18
